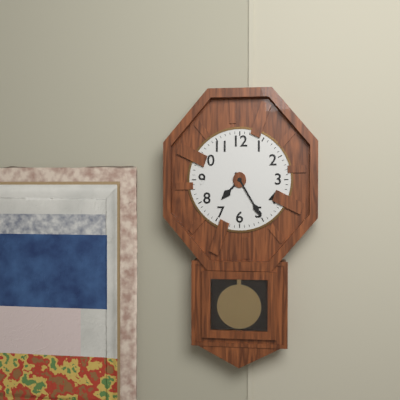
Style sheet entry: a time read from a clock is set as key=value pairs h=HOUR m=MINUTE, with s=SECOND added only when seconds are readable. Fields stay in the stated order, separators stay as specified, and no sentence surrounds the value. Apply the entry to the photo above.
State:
h=7 m=25
